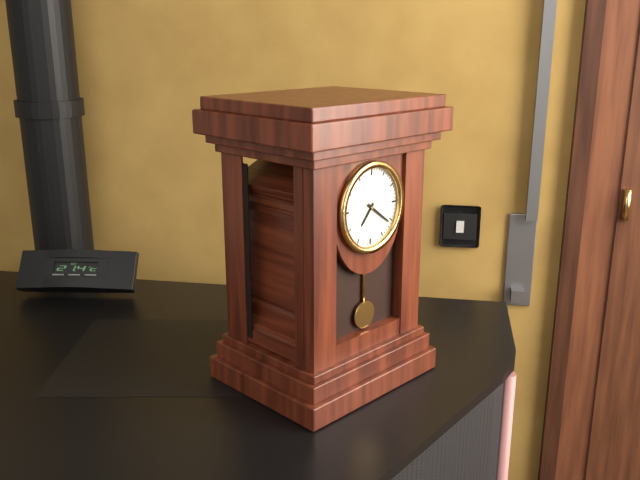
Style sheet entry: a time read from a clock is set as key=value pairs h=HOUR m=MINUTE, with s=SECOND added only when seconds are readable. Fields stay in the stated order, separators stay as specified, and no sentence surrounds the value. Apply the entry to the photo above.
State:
h=7 m=21
